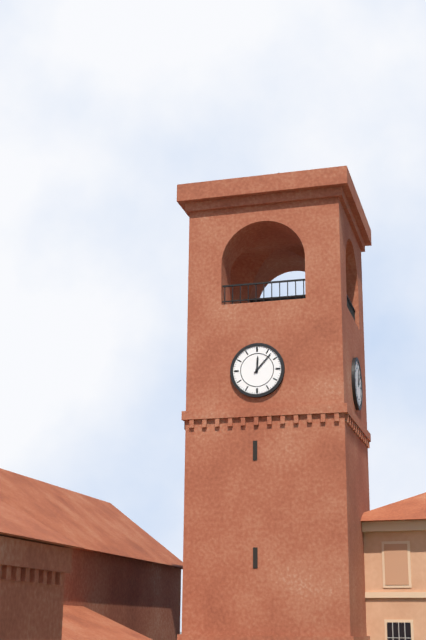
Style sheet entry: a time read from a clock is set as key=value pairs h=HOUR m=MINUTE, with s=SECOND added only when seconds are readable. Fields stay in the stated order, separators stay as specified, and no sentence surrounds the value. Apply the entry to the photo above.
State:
h=12 m=7
